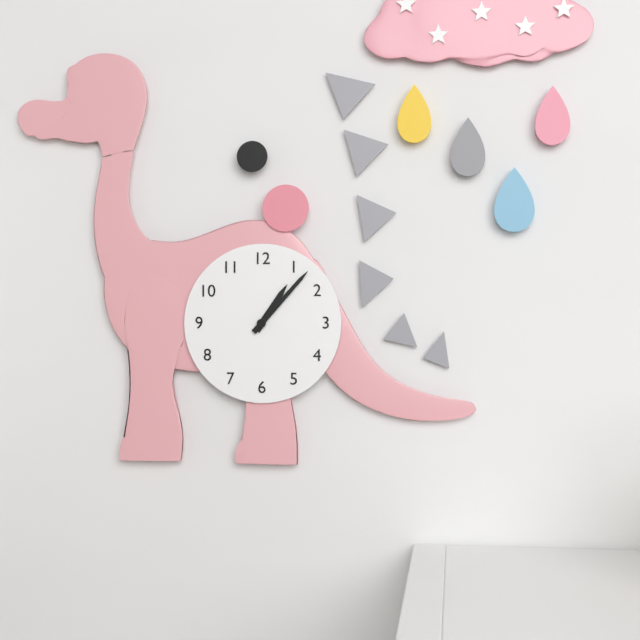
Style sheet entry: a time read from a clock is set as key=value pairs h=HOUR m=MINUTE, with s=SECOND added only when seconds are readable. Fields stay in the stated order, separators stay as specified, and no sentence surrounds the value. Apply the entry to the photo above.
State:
h=1 m=7
